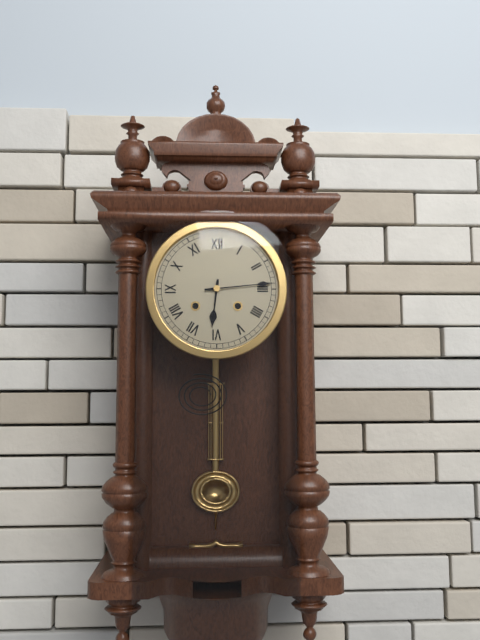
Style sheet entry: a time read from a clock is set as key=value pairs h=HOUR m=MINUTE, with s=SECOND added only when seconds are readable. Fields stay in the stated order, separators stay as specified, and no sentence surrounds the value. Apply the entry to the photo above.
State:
h=6 m=14
